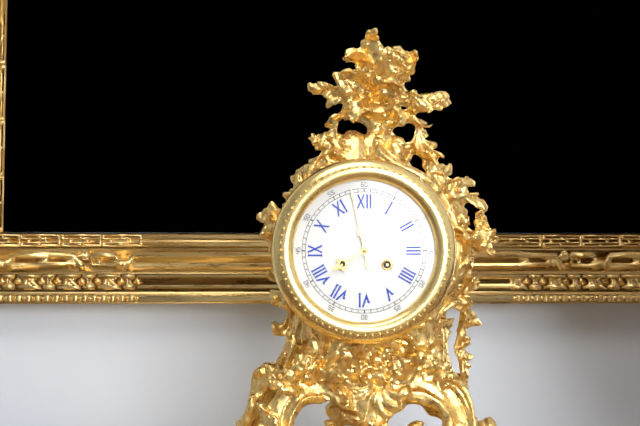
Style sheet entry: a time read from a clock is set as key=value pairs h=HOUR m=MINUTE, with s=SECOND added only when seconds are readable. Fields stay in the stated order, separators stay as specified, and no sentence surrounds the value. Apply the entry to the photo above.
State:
h=7 m=58
